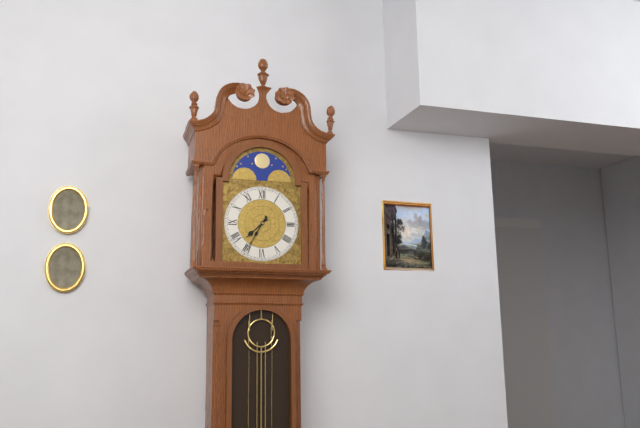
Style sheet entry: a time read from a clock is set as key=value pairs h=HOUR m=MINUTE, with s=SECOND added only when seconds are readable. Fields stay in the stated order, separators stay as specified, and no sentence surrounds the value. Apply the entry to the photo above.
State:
h=7 m=35
